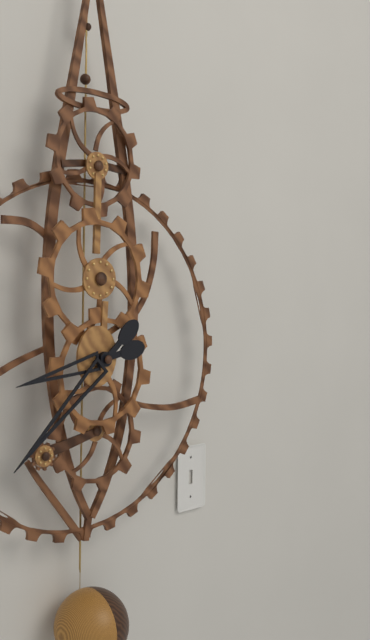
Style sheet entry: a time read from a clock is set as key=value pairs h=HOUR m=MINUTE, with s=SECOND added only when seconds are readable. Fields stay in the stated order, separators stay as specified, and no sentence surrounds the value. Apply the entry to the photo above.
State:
h=8 m=38
